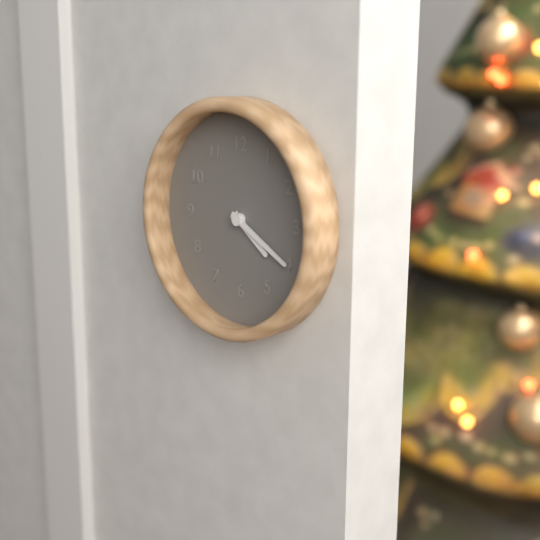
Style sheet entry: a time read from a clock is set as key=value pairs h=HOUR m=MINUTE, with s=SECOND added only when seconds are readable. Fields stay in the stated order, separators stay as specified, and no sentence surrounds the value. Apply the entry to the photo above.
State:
h=4 m=20
